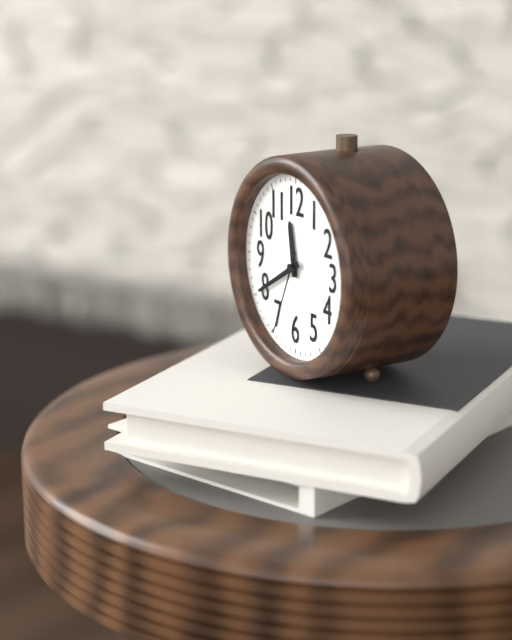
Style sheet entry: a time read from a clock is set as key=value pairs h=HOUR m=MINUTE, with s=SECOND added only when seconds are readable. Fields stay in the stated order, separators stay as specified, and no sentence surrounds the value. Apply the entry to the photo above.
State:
h=11 m=40 s=34
